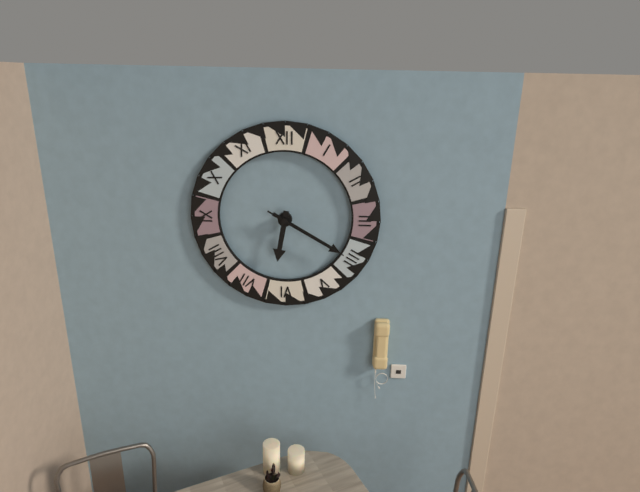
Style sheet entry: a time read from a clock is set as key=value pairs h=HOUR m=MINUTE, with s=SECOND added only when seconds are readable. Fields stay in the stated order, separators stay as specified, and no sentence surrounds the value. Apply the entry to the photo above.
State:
h=6 m=20 s=20
